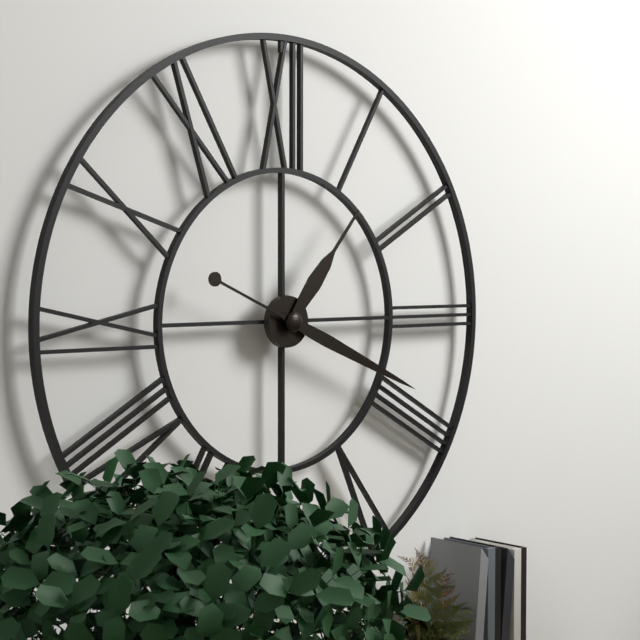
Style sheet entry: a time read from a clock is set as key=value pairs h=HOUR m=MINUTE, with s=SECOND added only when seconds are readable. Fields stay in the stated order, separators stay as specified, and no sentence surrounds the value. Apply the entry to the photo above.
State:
h=1 m=19
